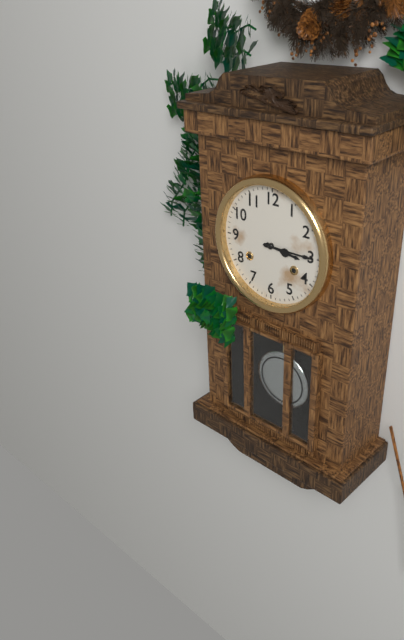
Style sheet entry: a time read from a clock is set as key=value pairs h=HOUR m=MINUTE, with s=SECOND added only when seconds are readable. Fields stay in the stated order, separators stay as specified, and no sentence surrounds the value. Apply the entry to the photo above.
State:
h=3 m=15
